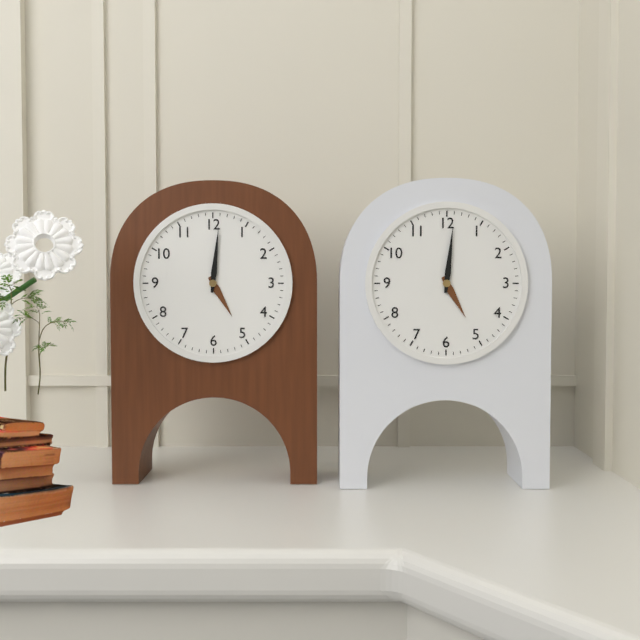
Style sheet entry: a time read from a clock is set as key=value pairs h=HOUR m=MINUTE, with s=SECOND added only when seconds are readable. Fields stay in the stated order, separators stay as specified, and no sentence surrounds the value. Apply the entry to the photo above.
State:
h=5 m=1
